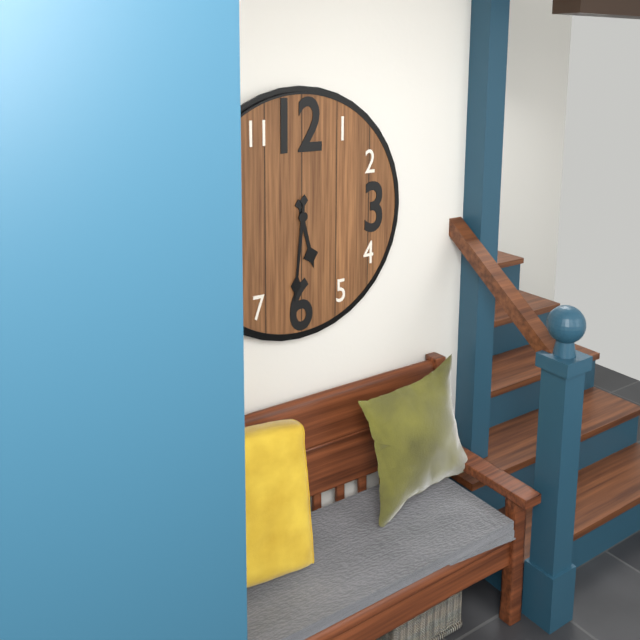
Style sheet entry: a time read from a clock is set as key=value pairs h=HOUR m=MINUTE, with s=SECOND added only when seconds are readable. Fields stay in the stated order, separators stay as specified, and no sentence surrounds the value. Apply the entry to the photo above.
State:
h=5 m=31
